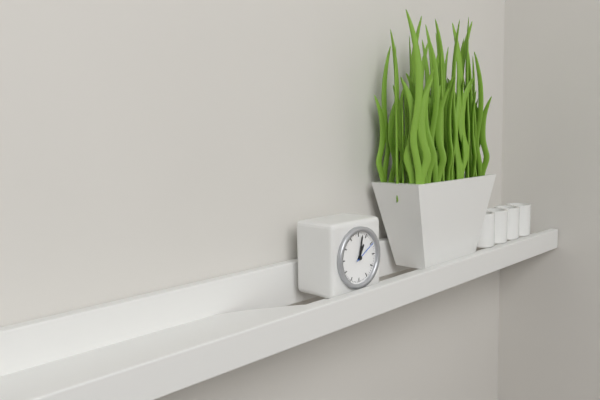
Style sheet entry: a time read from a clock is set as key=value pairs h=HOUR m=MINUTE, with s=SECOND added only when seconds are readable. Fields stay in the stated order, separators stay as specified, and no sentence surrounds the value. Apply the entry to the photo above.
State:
h=1 m=2
